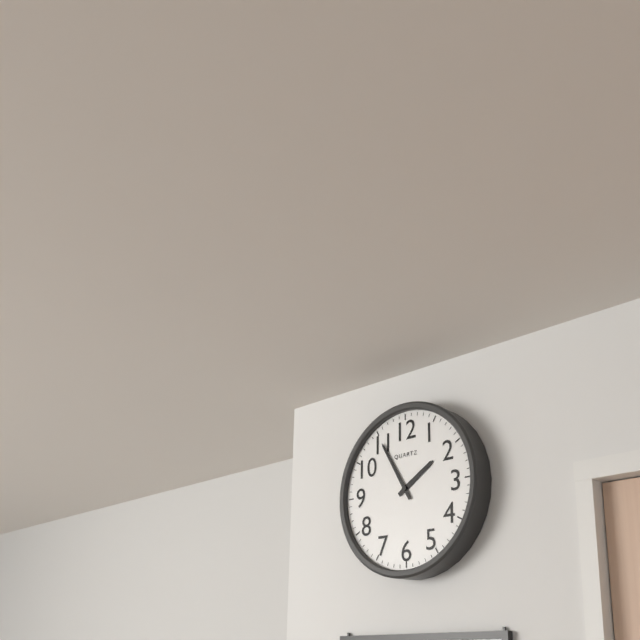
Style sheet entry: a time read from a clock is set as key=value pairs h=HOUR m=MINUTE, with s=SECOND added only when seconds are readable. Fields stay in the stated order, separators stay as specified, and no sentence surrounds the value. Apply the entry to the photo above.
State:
h=1 m=55
